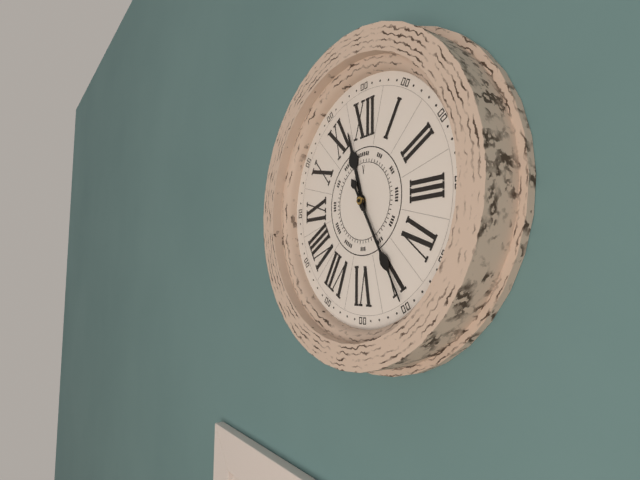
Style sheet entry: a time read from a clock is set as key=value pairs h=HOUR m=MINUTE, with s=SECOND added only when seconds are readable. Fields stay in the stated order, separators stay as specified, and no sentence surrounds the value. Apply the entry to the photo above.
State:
h=11 m=25
